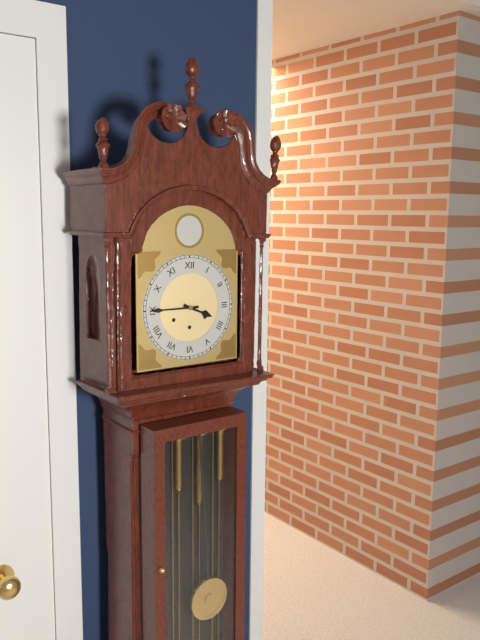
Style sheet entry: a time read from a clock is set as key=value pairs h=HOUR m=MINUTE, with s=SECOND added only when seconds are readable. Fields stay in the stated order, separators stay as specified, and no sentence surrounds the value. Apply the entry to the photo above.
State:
h=3 m=45
